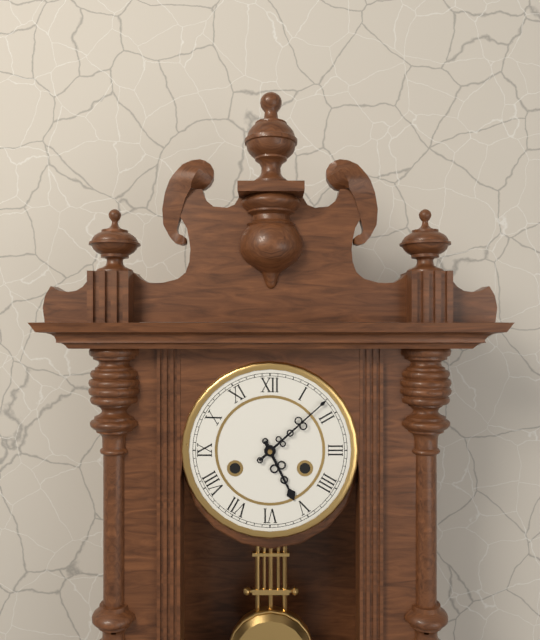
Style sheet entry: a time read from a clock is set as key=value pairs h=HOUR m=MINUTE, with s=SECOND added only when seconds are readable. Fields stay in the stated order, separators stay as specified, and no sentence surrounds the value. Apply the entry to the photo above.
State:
h=5 m=8
